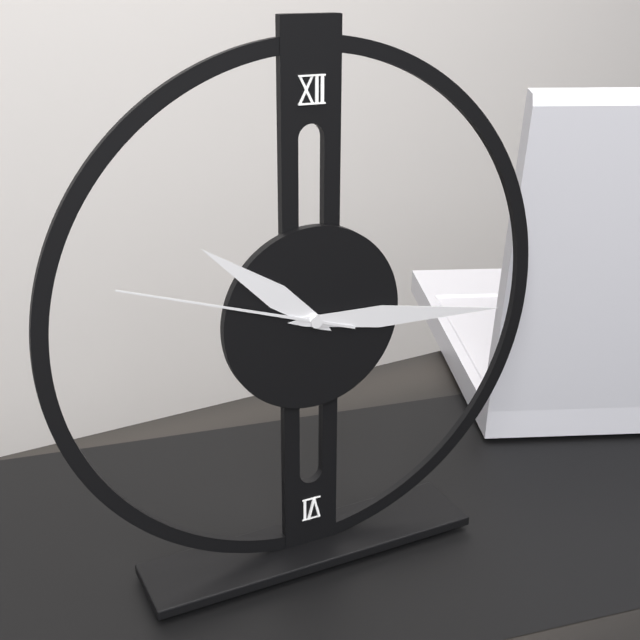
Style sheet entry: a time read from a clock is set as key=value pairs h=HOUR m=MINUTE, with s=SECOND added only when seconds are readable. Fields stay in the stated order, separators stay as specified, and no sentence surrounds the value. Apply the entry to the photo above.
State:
h=10 m=16 s=48
